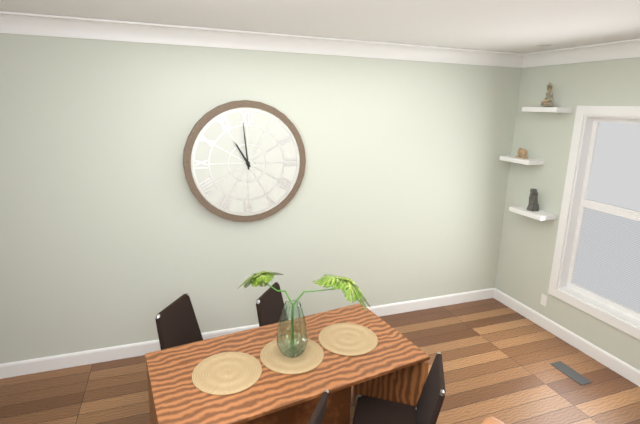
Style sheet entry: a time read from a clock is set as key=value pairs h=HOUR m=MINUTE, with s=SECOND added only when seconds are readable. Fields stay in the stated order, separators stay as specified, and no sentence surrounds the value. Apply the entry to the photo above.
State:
h=10 m=59
